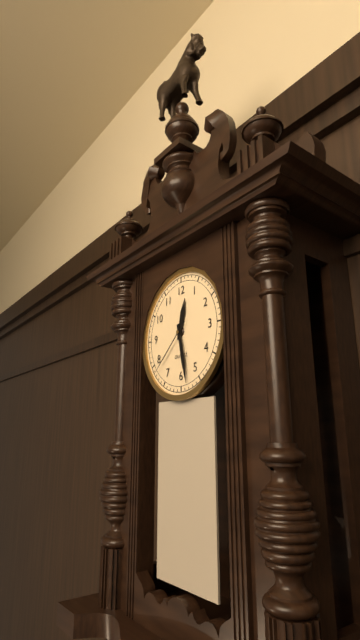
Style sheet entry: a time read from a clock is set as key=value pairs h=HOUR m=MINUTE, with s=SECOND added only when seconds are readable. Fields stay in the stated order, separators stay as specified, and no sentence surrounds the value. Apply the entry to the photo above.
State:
h=12 m=28 s=38
